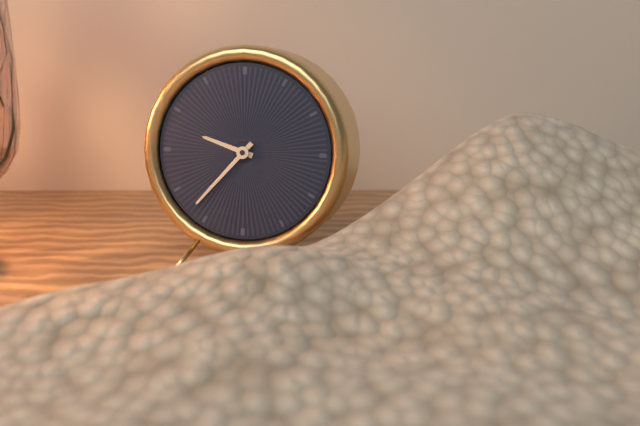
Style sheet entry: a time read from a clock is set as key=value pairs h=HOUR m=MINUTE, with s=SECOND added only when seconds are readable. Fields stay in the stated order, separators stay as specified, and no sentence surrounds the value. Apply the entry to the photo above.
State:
h=9 m=37
